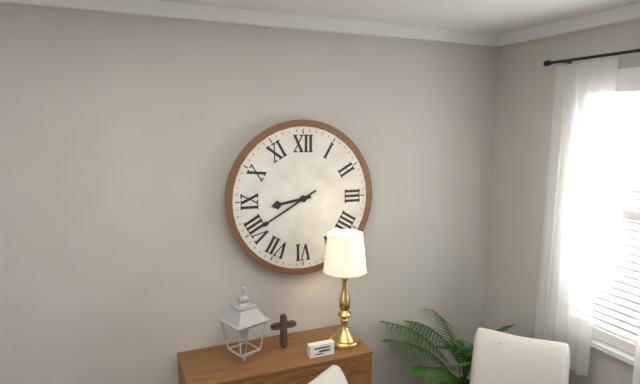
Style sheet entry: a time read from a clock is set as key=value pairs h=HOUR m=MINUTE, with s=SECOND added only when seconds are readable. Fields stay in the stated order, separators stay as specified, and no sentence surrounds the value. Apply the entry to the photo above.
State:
h=8 m=40
